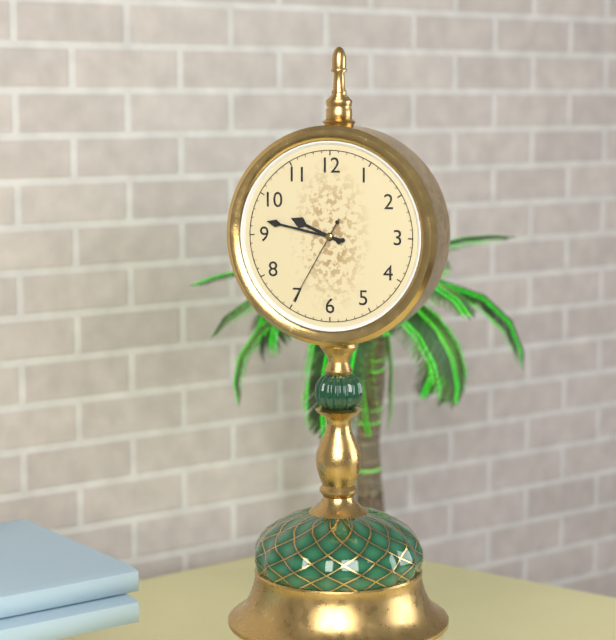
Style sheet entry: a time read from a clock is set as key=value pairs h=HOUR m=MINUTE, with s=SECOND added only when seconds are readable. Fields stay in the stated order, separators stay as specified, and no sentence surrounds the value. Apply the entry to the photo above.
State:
h=9 m=47 s=35
